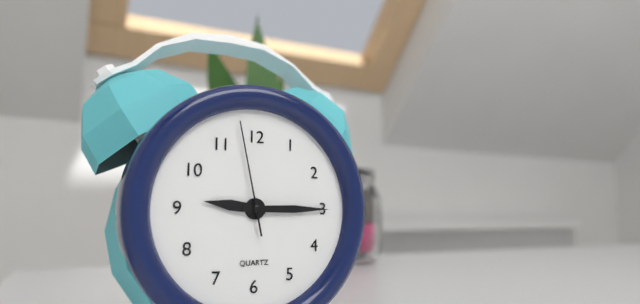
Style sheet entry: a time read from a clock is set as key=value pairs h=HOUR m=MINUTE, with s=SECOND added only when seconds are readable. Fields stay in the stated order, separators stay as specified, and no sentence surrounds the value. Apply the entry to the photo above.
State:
h=9 m=15 s=58
